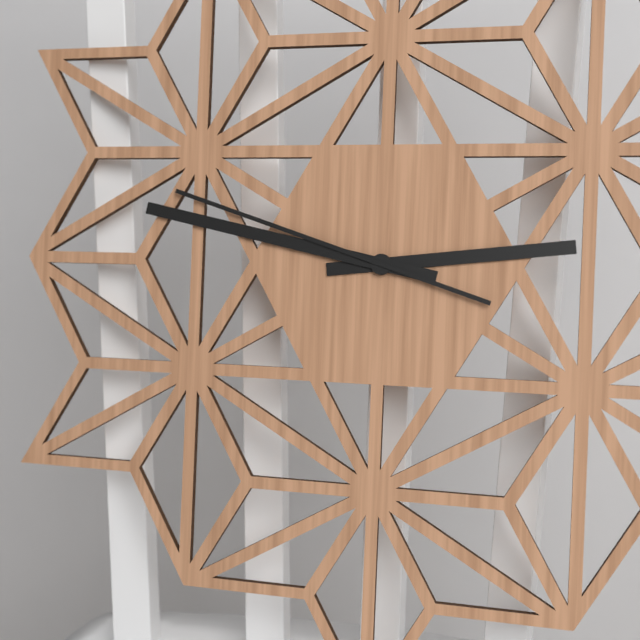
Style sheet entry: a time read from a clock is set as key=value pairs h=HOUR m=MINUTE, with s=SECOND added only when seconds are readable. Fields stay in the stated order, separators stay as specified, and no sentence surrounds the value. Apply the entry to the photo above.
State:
h=2 m=47 s=48
